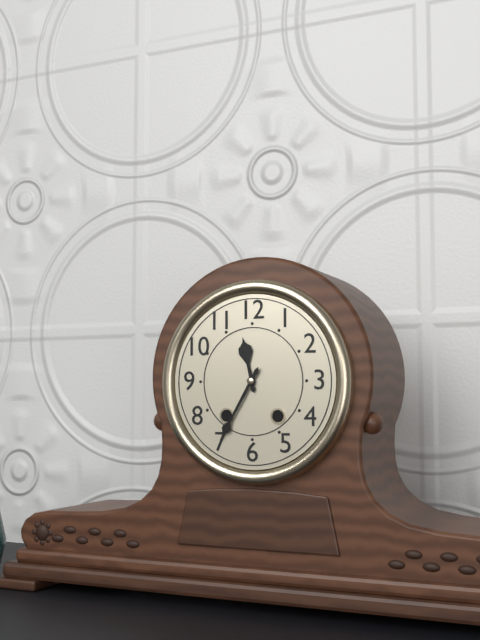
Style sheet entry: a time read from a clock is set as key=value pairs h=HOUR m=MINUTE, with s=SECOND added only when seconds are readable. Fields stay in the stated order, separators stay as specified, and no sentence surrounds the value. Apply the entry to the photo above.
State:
h=11 m=35
